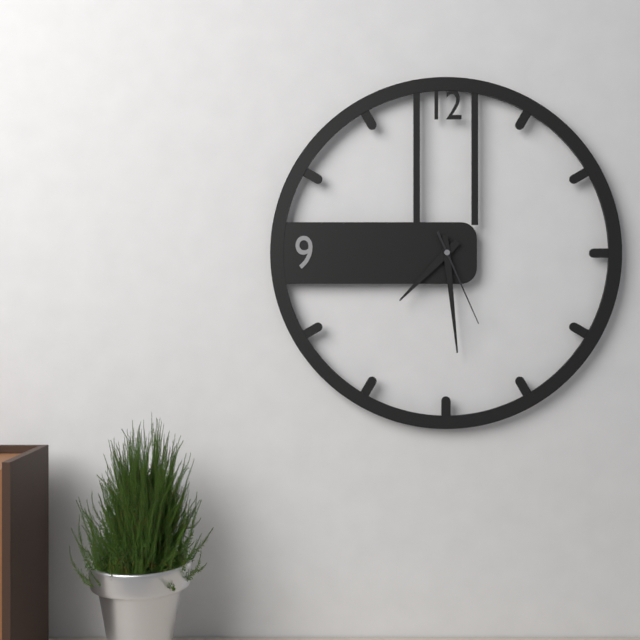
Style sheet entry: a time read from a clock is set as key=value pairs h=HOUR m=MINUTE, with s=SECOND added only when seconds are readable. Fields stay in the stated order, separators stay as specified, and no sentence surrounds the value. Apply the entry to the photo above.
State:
h=7 m=29 s=26
